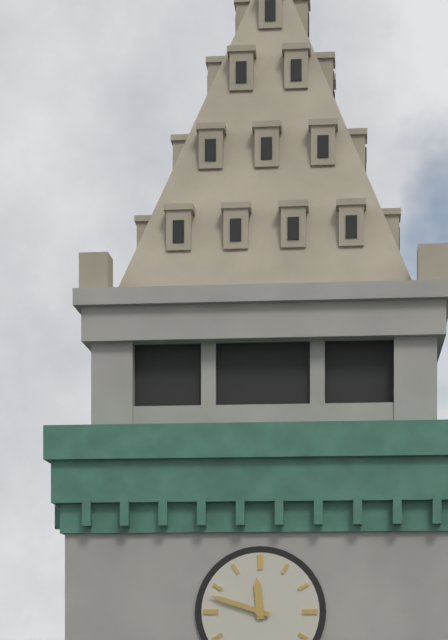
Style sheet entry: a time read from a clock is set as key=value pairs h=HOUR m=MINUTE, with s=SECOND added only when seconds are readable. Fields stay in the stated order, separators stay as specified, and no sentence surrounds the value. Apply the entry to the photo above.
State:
h=11 m=48
